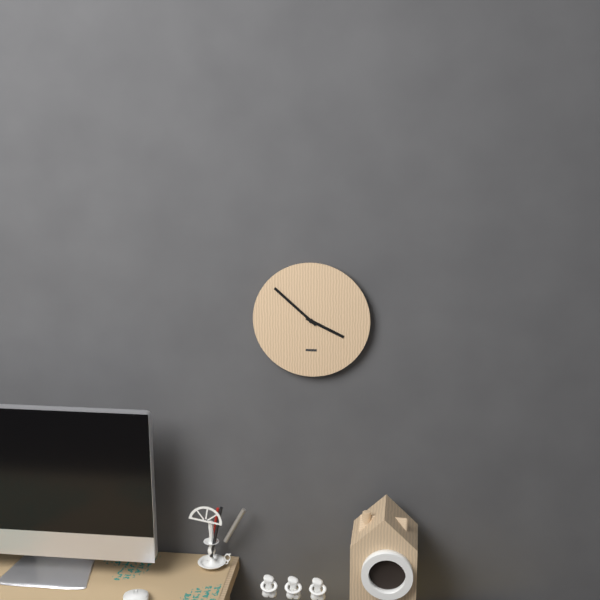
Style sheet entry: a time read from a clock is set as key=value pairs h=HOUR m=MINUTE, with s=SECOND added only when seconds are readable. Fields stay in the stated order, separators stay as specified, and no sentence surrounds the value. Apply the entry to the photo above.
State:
h=3 m=52
